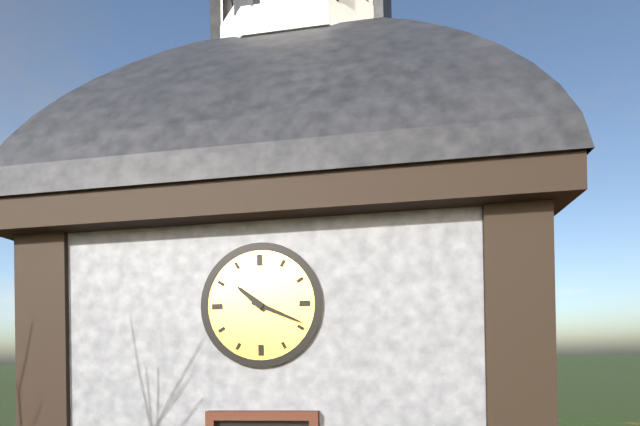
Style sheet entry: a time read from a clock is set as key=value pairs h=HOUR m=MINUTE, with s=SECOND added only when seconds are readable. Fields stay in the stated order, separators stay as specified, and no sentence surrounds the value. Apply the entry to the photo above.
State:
h=10 m=19
